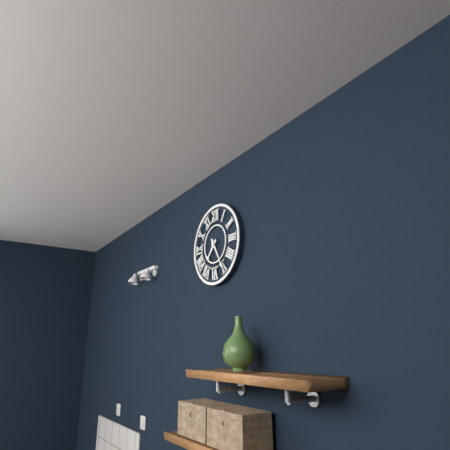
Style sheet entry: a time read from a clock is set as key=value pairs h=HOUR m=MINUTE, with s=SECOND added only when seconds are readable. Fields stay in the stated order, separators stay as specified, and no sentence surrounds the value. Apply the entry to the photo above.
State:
h=7 m=25
